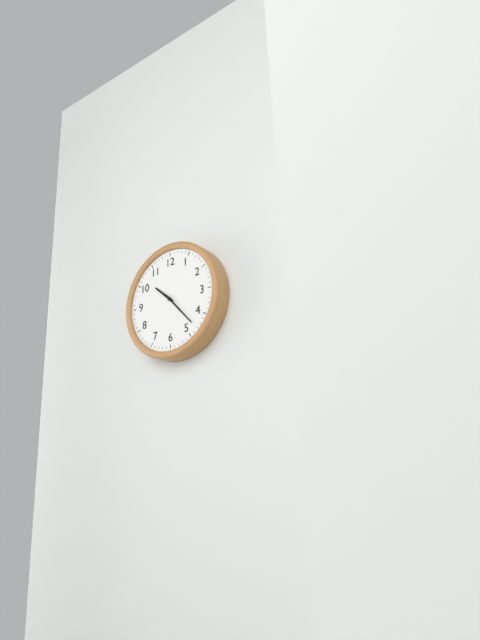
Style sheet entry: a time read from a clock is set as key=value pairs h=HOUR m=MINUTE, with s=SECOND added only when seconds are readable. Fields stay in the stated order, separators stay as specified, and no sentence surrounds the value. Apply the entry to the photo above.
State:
h=10 m=23
